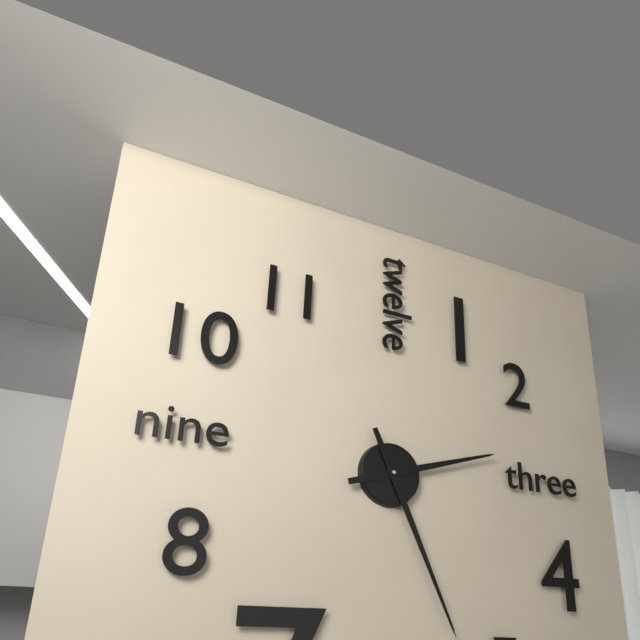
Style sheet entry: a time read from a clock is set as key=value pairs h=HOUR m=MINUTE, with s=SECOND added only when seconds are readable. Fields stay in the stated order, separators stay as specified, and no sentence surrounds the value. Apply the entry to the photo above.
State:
h=2 m=26
